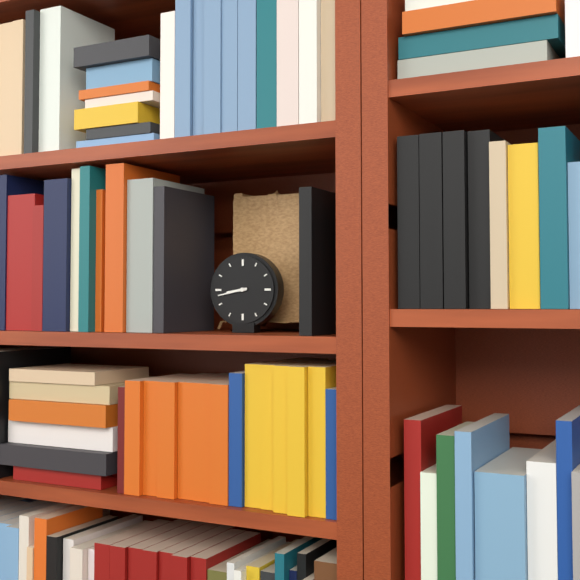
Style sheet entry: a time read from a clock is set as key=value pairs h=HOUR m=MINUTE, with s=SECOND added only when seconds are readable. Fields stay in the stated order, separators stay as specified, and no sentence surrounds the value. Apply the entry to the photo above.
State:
h=8 m=43
